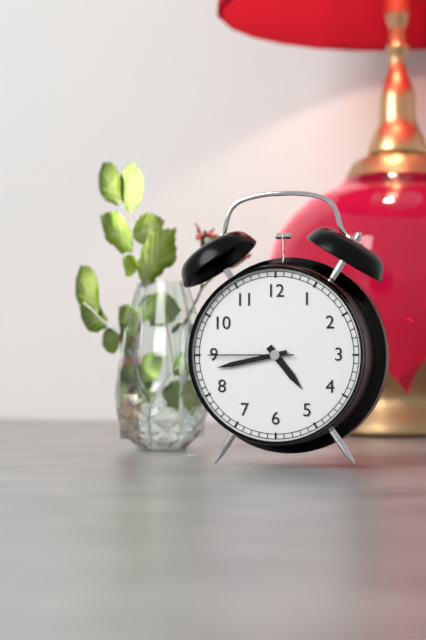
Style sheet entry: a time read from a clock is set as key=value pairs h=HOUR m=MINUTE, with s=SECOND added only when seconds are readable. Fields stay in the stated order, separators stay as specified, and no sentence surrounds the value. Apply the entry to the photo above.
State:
h=4 m=43 s=45
